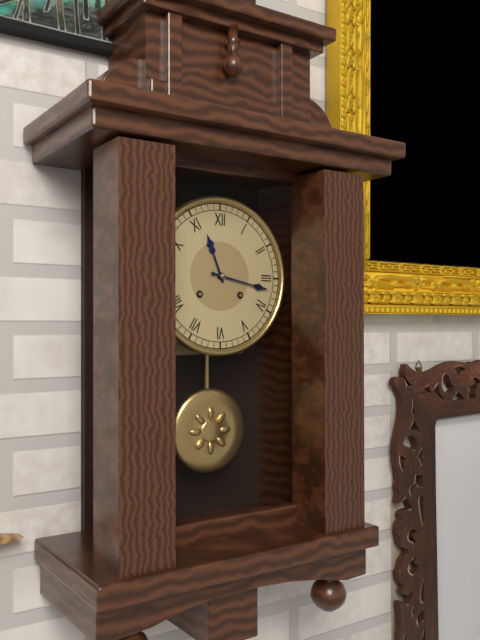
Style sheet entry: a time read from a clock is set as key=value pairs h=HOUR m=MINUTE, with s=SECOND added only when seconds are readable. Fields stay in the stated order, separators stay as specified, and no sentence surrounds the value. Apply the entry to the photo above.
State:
h=11 m=17
